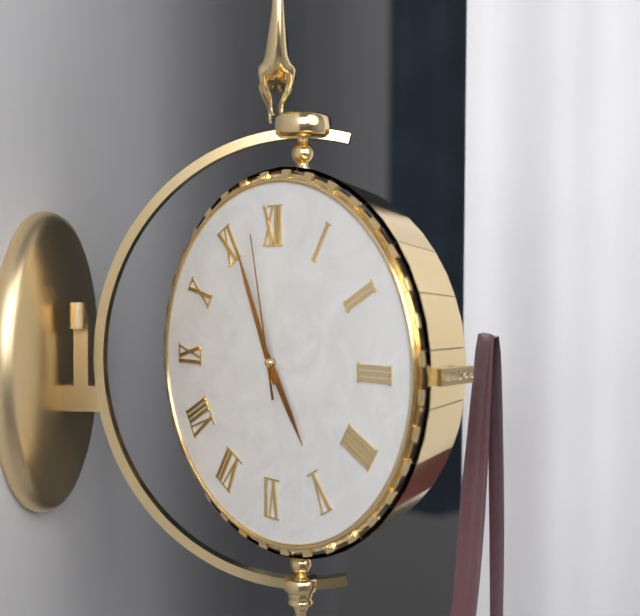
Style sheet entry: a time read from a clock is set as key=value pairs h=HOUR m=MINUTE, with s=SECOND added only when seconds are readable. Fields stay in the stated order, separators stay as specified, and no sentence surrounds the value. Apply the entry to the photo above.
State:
h=4 m=56 s=58
